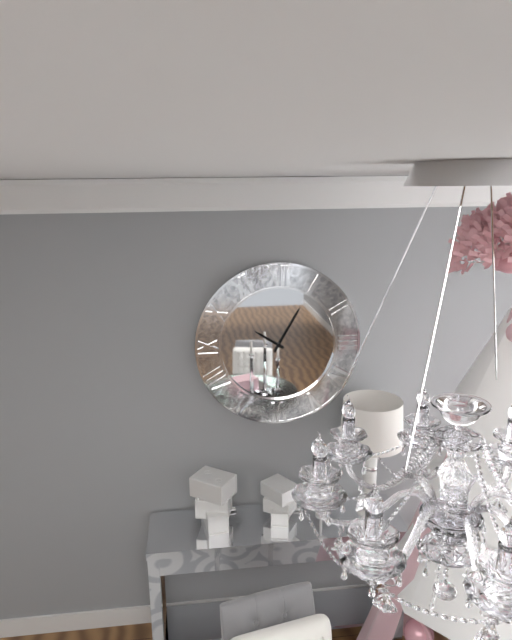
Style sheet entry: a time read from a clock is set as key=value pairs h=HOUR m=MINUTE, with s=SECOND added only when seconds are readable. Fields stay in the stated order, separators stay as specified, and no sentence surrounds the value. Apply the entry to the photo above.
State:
h=10 m=5
